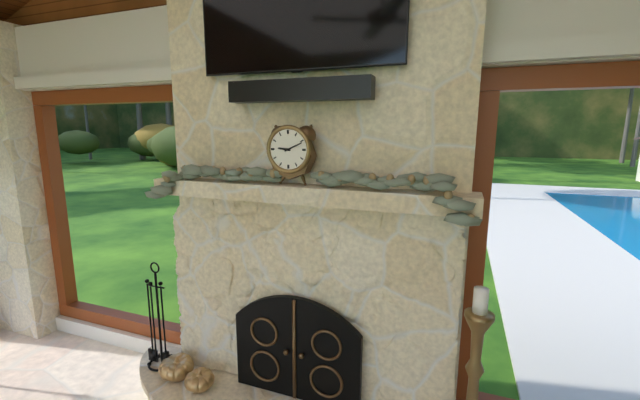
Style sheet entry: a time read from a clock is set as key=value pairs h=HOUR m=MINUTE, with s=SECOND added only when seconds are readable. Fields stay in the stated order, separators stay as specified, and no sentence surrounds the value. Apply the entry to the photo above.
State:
h=9 m=11
